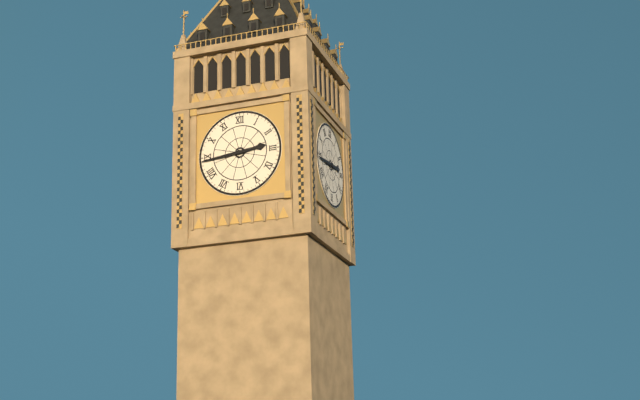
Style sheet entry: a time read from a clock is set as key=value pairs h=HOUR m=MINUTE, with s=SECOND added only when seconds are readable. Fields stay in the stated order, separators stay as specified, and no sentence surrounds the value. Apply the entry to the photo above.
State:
h=2 m=44
